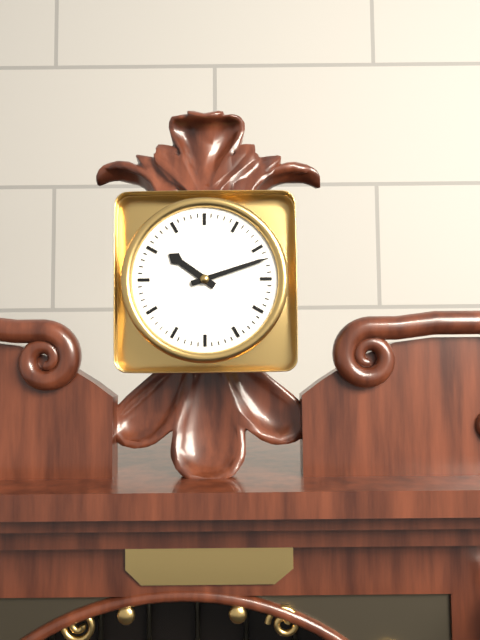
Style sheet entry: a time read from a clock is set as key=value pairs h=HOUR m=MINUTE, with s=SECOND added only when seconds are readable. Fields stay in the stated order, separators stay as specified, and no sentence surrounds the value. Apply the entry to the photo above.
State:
h=10 m=12
